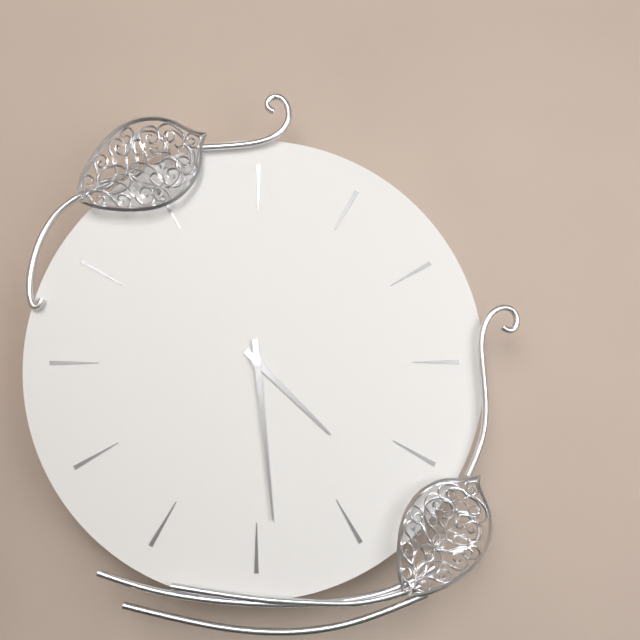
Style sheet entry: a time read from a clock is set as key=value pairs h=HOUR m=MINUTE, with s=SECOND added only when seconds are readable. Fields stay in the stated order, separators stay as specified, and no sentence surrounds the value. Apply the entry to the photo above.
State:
h=4 m=29
